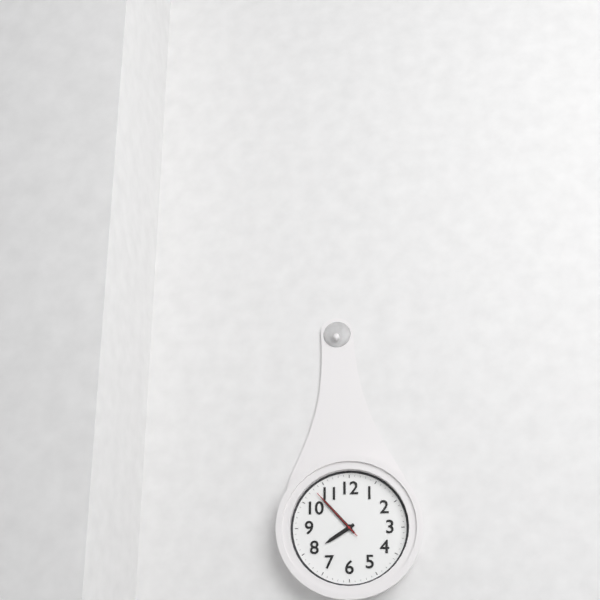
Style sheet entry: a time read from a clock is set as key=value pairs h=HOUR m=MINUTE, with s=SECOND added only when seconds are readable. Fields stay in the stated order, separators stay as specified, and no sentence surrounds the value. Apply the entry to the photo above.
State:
h=7 m=53 s=53
